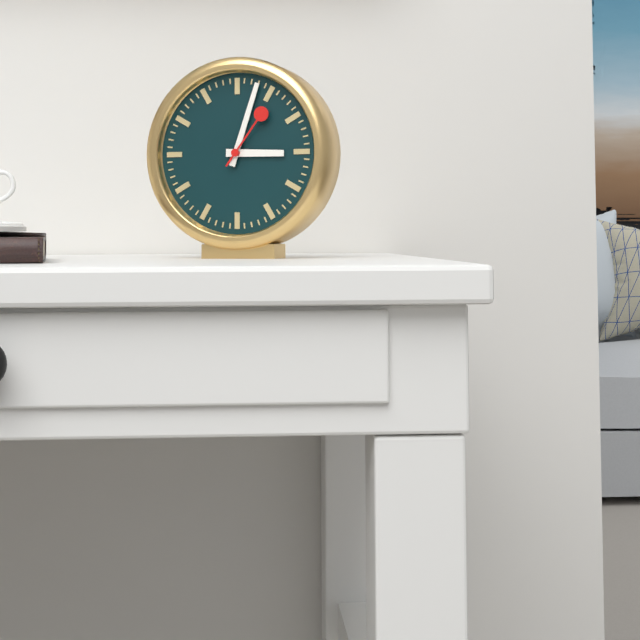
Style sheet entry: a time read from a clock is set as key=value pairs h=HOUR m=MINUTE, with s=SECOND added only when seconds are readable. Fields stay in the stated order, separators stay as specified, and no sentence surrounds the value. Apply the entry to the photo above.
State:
h=3 m=3 s=6
